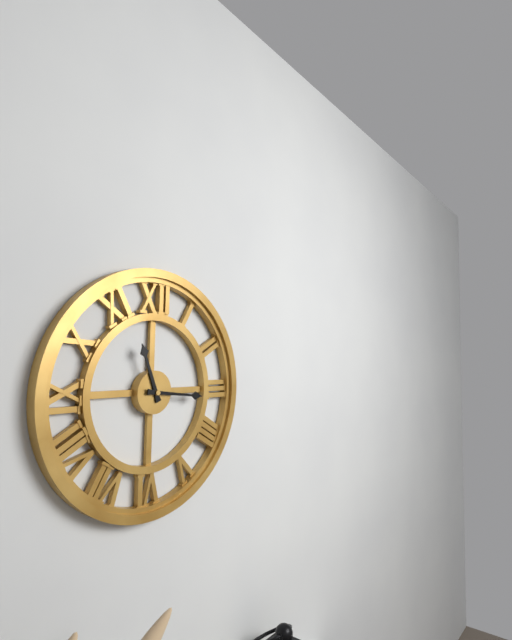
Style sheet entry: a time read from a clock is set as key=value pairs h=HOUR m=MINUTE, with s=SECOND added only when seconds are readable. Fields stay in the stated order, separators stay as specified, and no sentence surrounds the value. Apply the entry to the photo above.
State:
h=11 m=16
